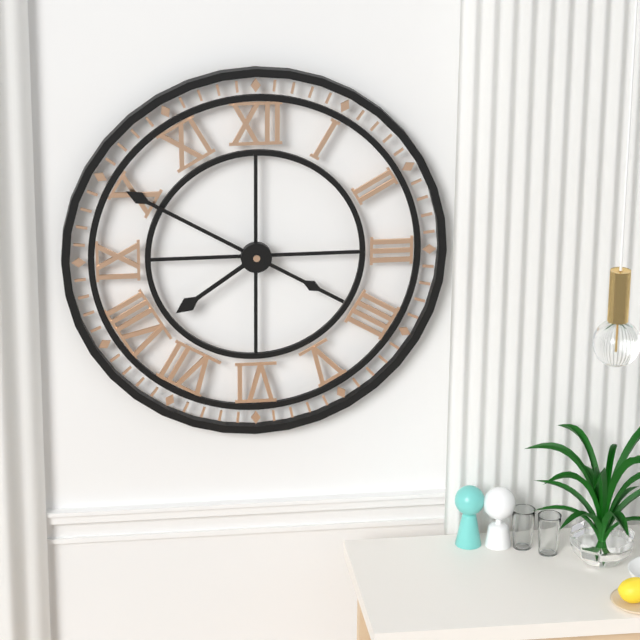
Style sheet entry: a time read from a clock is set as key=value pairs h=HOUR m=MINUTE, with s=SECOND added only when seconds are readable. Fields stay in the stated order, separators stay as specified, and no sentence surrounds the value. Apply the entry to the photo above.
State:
h=7 m=50
